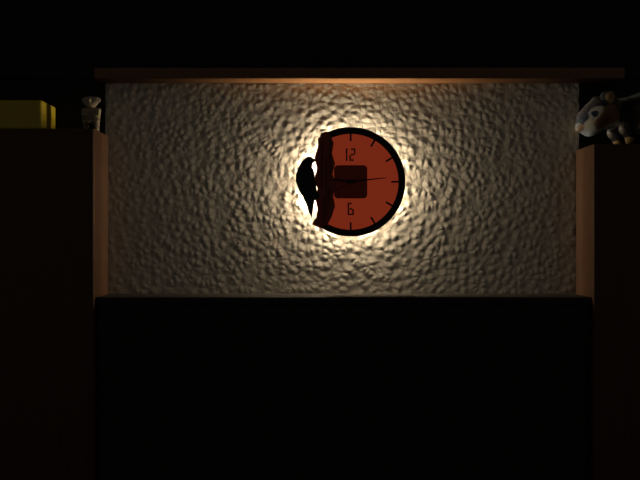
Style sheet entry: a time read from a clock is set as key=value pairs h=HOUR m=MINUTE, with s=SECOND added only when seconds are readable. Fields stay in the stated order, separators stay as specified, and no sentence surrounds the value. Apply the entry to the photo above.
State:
h=9 m=14
